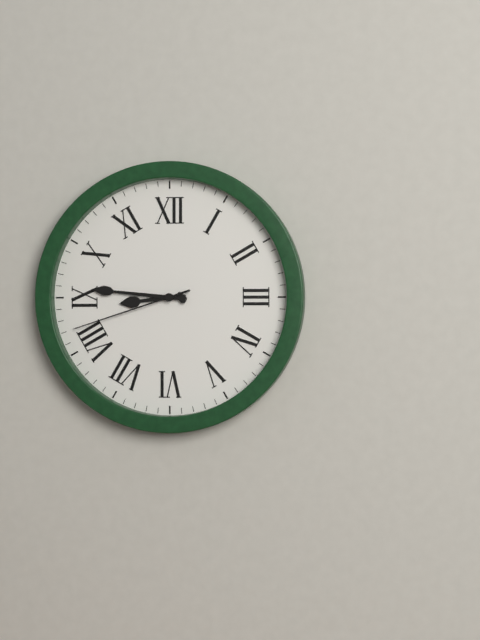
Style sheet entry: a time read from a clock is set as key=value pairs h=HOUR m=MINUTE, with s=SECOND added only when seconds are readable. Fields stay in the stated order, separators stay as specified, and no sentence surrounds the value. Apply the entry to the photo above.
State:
h=8 m=46 s=42
